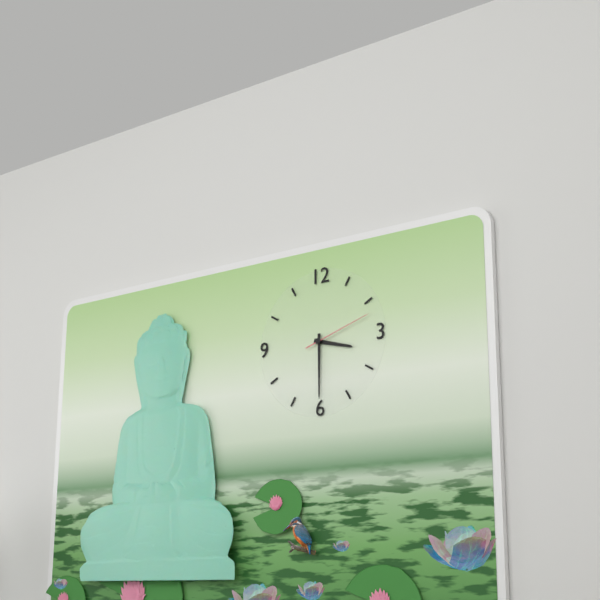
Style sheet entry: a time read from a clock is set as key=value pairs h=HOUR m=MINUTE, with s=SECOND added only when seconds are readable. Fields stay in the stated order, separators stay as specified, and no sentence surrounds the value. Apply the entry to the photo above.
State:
h=3 m=30 s=12
